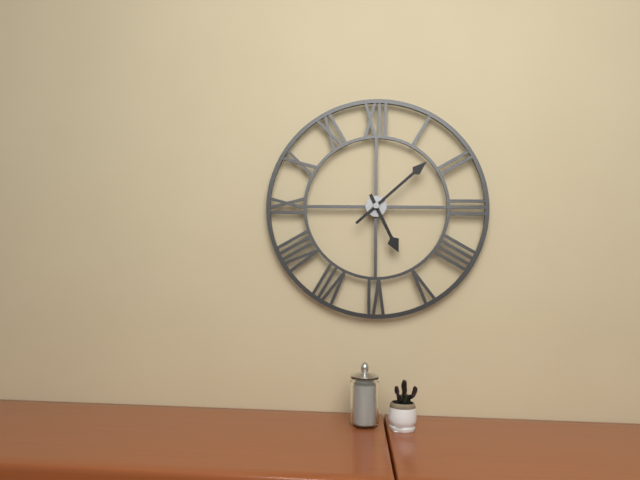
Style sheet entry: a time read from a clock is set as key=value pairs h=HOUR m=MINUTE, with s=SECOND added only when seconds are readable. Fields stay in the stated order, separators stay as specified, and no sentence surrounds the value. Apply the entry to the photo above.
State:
h=5 m=8
